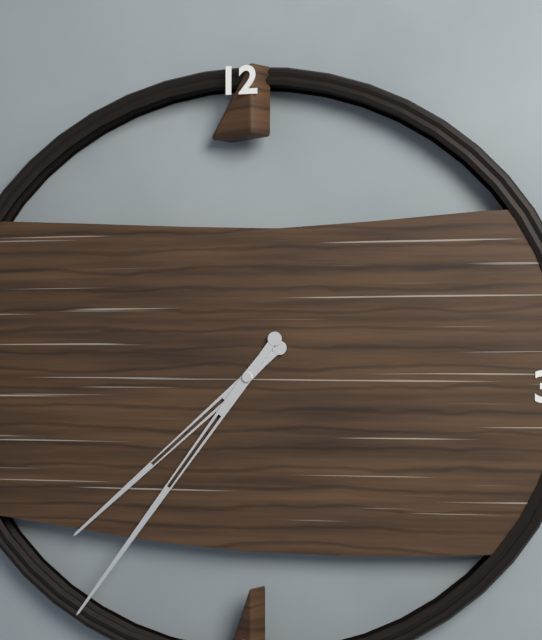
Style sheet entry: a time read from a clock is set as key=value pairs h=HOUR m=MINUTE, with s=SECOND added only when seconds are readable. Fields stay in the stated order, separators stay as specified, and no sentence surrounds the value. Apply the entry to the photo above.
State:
h=7 m=36
